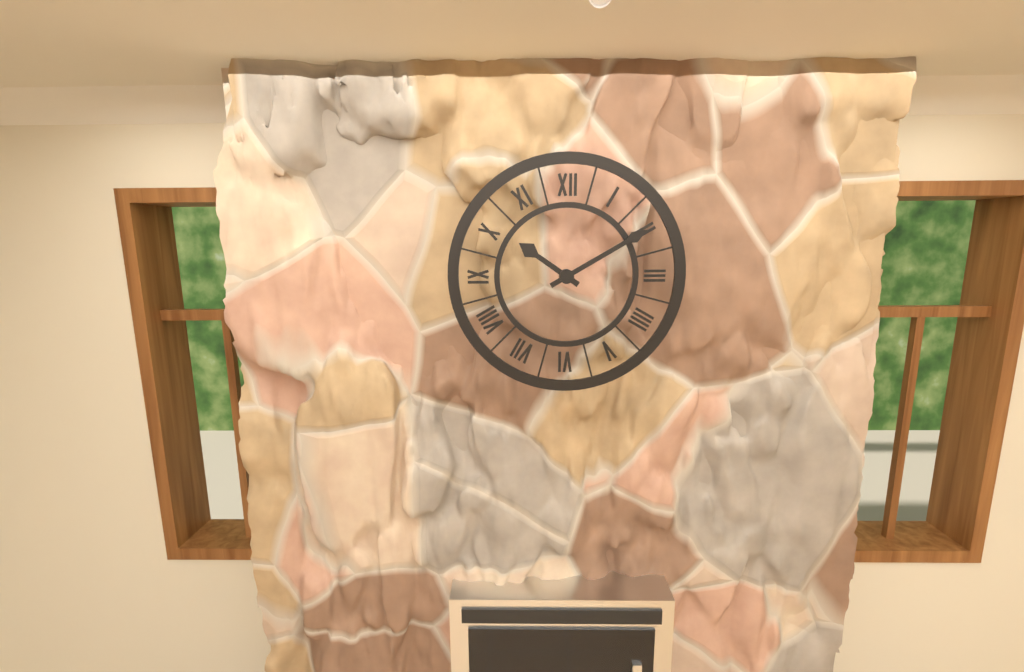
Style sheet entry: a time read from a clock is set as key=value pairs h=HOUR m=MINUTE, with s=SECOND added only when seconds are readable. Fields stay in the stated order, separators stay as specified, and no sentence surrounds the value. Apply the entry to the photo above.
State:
h=10 m=10
